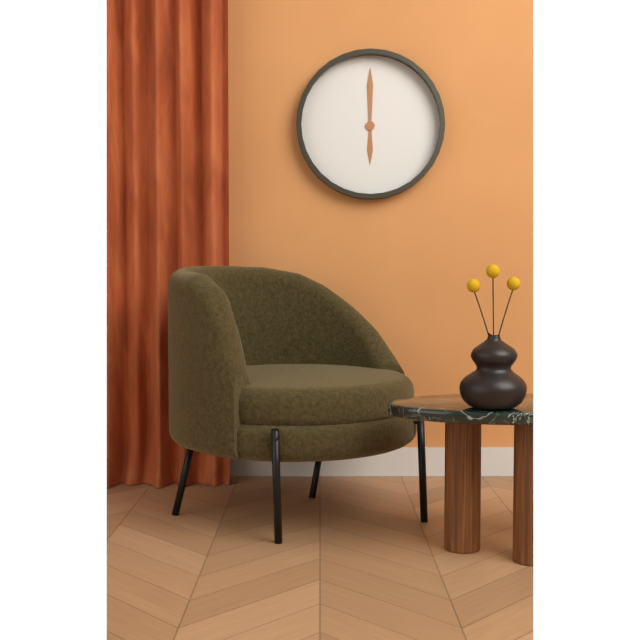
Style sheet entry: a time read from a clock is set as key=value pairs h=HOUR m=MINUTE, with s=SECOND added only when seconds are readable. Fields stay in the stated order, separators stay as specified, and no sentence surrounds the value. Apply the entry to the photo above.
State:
h=6 m=0
